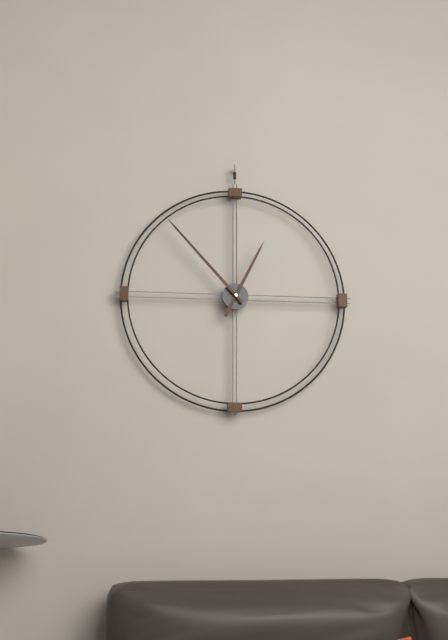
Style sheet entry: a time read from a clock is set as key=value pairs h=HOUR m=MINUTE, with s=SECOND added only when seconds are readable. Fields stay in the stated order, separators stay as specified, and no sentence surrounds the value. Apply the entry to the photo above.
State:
h=12 m=53
